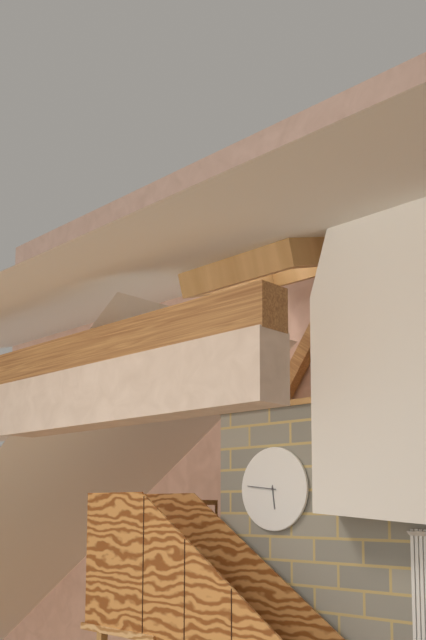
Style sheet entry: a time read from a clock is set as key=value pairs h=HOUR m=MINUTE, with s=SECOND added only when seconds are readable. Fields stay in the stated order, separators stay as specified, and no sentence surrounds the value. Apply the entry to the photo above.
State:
h=5 m=46
